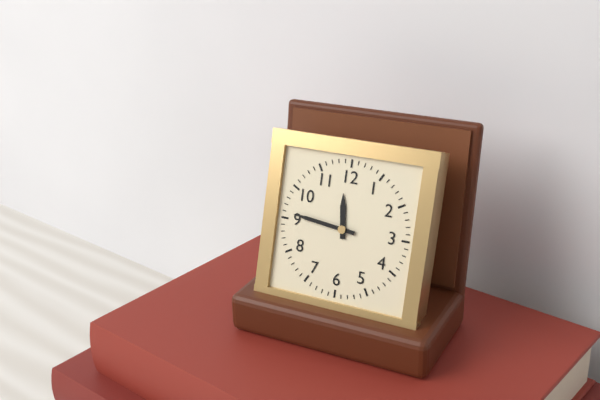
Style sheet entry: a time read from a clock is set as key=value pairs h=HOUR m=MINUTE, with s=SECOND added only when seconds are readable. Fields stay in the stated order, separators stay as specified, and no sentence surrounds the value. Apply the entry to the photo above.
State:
h=11 m=46
